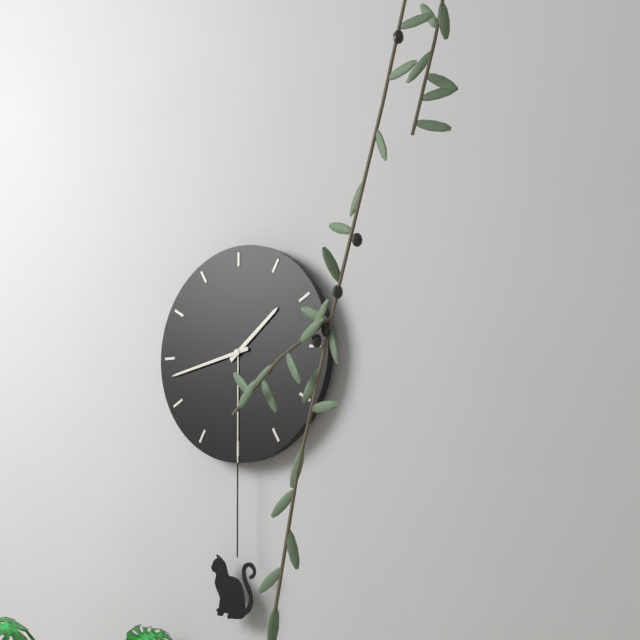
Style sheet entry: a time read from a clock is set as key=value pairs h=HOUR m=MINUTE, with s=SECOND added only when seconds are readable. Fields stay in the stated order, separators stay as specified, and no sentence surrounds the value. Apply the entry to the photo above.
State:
h=1 m=43
